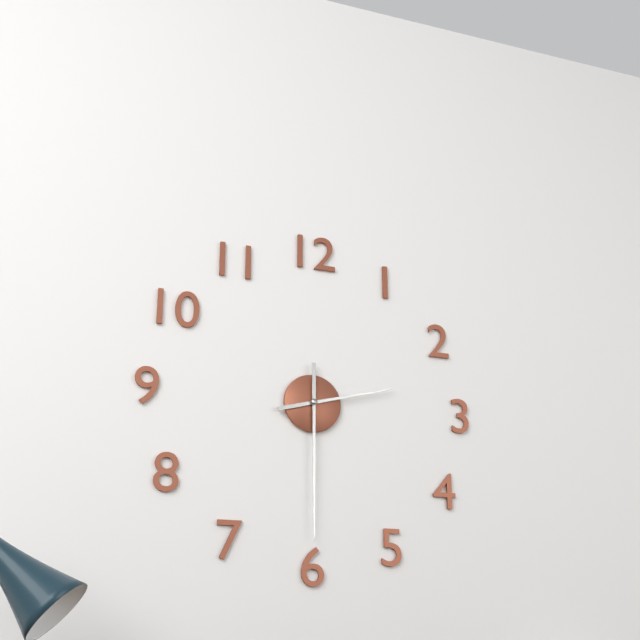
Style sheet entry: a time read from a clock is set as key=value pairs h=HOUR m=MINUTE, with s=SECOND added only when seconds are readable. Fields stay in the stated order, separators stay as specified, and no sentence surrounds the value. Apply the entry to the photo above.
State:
h=2 m=30
